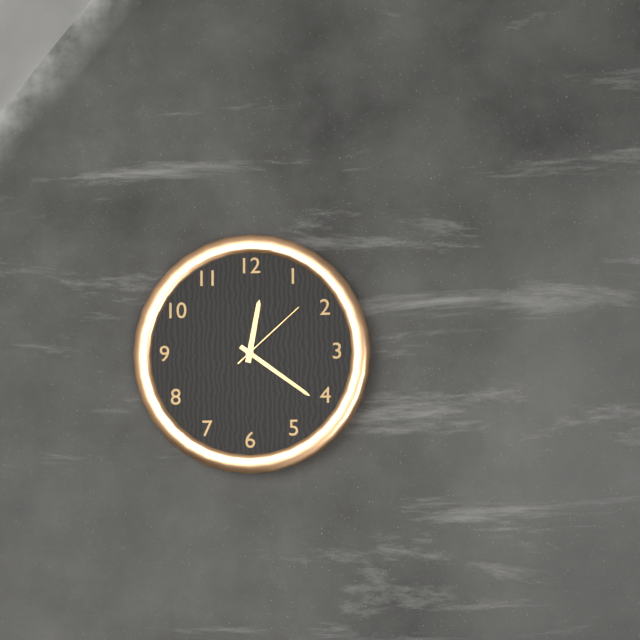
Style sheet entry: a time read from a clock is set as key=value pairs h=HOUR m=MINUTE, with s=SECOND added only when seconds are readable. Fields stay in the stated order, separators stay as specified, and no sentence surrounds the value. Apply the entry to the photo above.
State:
h=12 m=21 s=8
